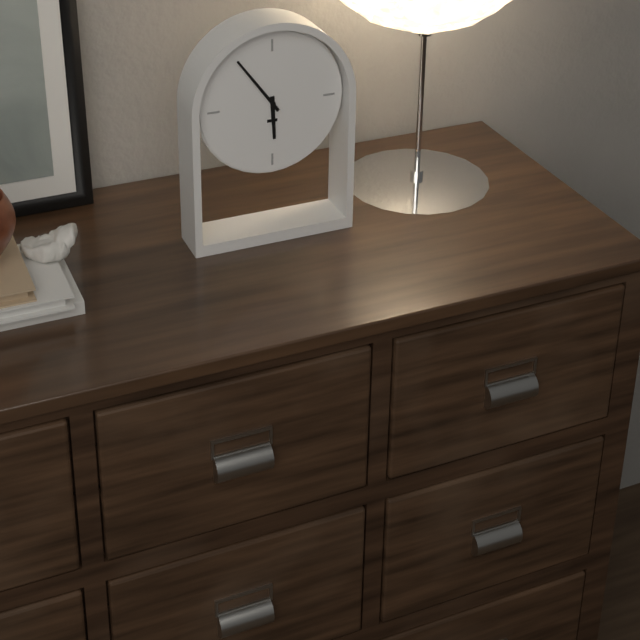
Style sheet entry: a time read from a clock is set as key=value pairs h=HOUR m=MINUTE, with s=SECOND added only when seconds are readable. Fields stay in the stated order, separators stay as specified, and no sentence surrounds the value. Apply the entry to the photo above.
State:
h=5 m=54
